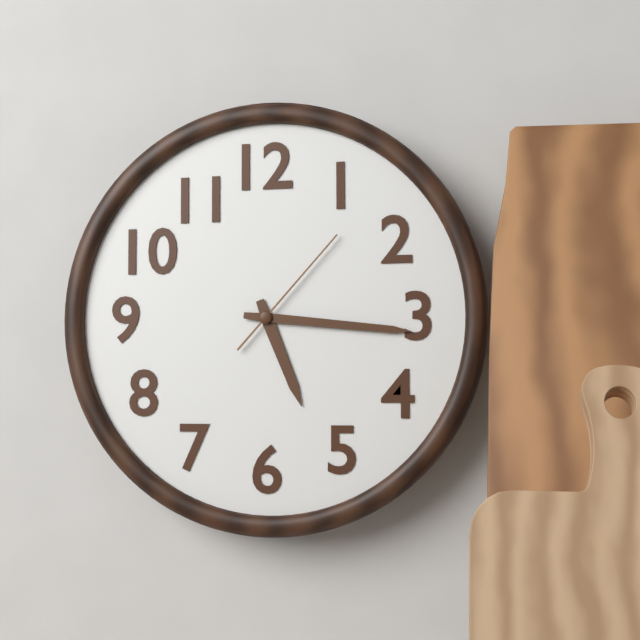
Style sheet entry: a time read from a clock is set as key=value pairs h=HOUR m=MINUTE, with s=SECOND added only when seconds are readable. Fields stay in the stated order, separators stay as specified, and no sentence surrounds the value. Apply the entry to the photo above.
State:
h=5 m=16 s=7
